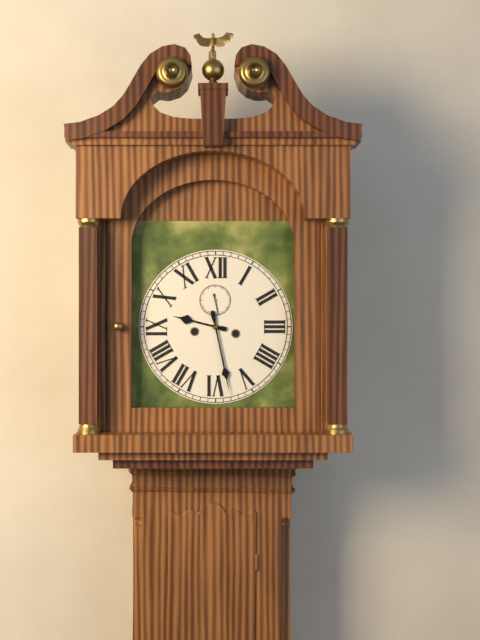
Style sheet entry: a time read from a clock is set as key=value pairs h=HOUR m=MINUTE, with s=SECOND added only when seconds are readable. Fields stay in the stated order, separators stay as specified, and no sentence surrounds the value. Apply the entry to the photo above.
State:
h=9 m=28
